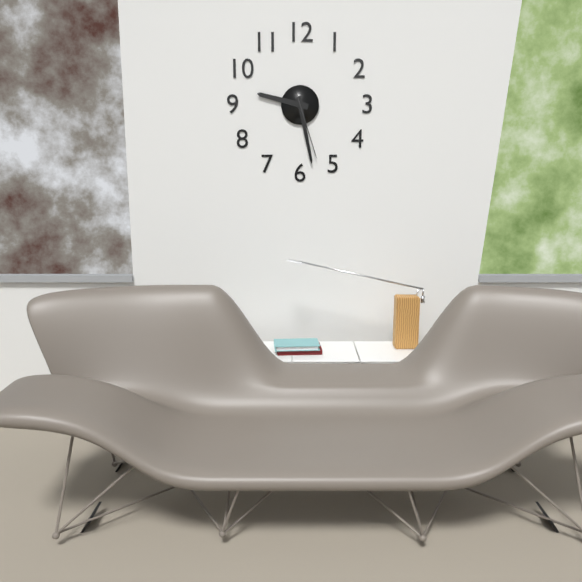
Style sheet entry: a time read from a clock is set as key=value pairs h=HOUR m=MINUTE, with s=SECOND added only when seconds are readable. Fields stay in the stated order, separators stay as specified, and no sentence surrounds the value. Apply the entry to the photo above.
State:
h=9 m=28 s=27
